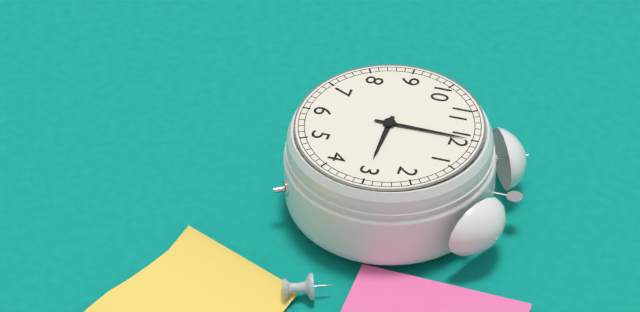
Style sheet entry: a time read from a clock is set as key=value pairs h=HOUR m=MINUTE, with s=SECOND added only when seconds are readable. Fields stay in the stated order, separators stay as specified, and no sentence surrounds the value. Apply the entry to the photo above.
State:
h=3 m=0
